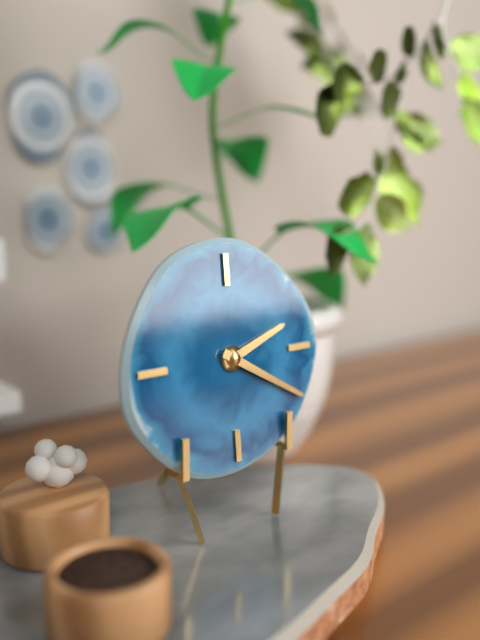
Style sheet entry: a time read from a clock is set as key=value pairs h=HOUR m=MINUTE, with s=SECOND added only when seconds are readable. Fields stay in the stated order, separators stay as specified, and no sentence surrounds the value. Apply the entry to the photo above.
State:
h=2 m=20
